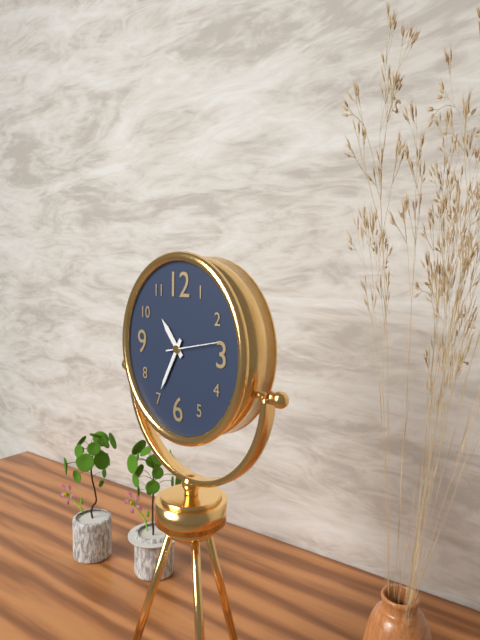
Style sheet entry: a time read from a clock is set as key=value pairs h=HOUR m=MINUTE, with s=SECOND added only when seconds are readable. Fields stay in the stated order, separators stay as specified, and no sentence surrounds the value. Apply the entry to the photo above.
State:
h=10 m=35 s=13
